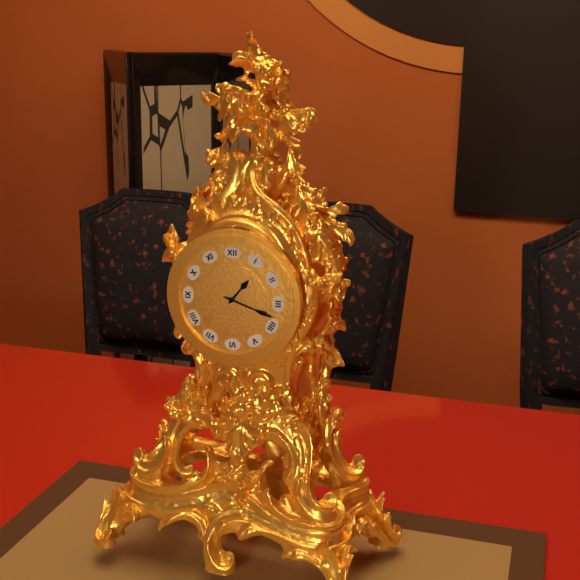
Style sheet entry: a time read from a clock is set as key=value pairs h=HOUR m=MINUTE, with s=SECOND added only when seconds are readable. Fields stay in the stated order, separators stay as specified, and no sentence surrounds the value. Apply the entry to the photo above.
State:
h=1 m=18
